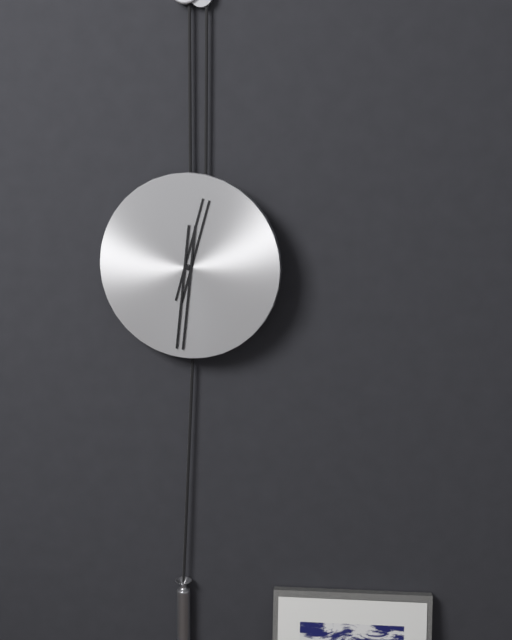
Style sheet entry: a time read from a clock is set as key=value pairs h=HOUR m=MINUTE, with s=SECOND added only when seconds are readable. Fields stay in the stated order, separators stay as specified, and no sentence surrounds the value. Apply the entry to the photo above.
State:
h=12 m=31
